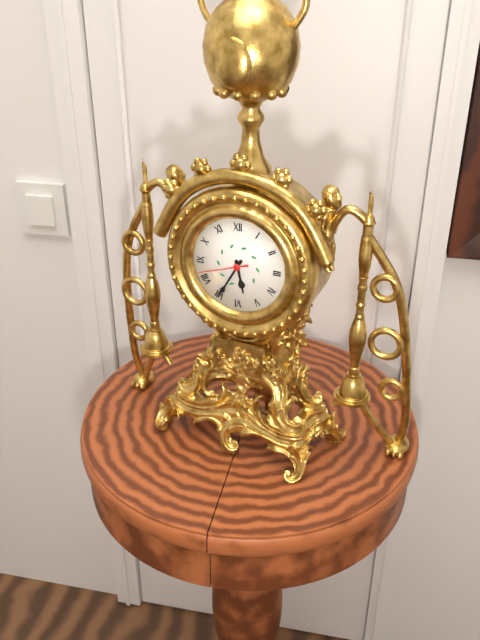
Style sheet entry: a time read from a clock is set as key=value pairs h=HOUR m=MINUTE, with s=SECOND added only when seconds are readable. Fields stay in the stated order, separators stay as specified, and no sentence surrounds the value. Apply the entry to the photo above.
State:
h=5 m=35 s=42
